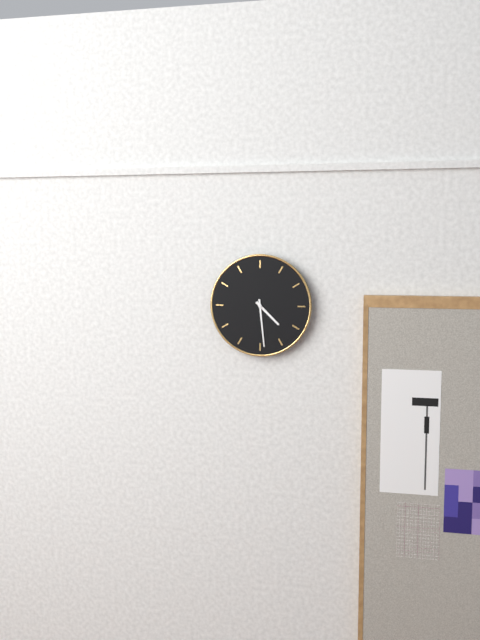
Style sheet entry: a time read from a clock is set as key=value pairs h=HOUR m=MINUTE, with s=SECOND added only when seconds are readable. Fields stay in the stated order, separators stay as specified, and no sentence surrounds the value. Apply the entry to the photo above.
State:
h=4 m=29
